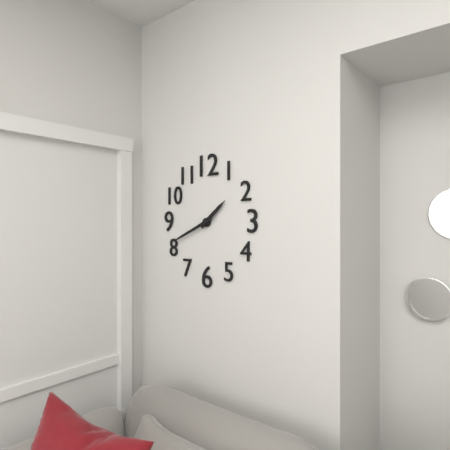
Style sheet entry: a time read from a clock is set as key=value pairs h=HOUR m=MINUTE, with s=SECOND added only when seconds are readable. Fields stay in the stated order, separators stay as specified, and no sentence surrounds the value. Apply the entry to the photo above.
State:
h=1 m=41
